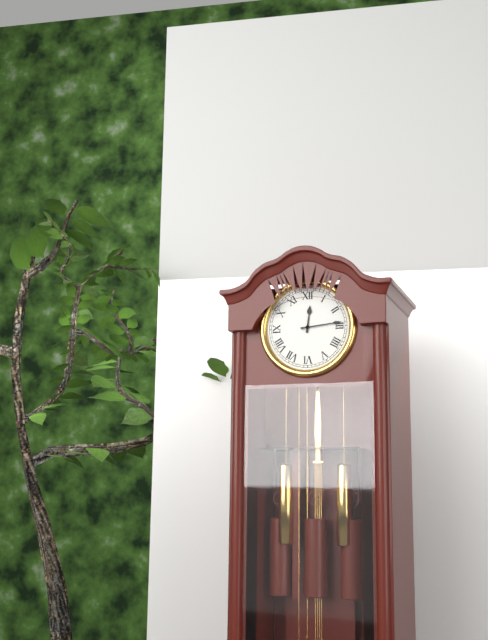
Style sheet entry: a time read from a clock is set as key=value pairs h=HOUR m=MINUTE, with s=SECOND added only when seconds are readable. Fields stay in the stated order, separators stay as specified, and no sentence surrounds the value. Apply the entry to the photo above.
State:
h=12 m=14
